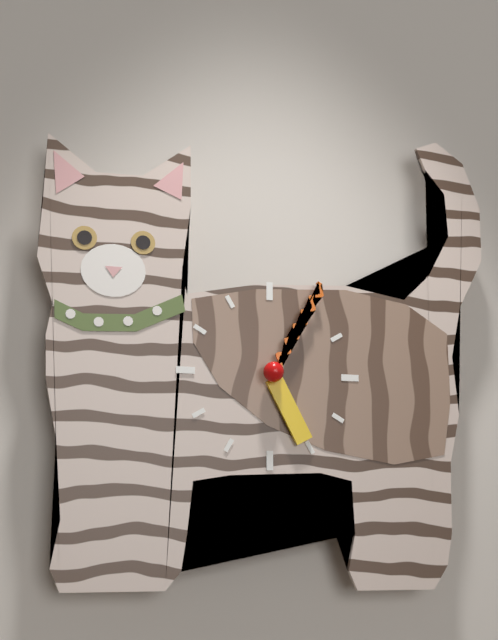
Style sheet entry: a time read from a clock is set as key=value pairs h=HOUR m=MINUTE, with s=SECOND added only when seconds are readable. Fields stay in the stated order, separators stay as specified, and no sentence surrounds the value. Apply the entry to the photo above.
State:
h=5 m=5
